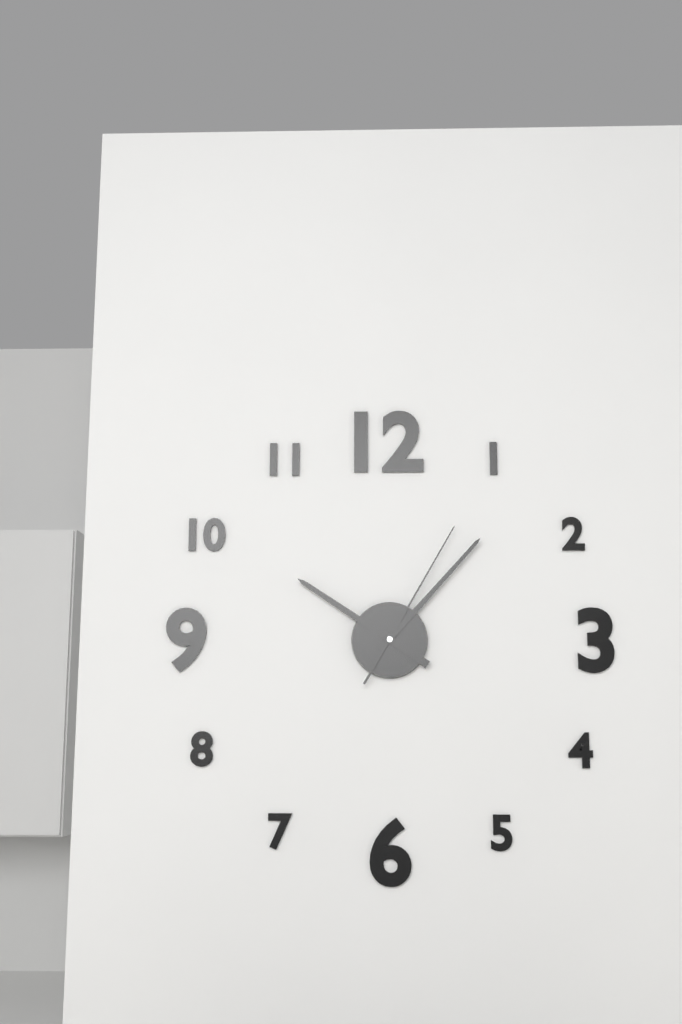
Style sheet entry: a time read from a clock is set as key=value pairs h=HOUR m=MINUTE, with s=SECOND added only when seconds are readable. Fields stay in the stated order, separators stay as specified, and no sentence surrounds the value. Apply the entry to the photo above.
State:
h=10 m=7 s=5
